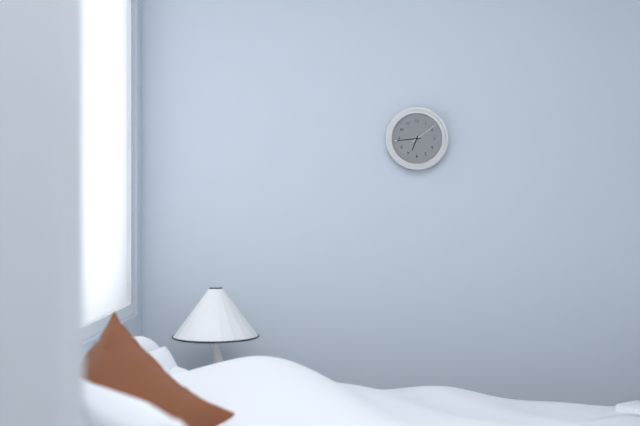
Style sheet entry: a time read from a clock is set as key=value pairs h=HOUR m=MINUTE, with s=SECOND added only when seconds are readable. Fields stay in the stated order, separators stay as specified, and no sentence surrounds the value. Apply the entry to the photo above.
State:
h=6 m=44
